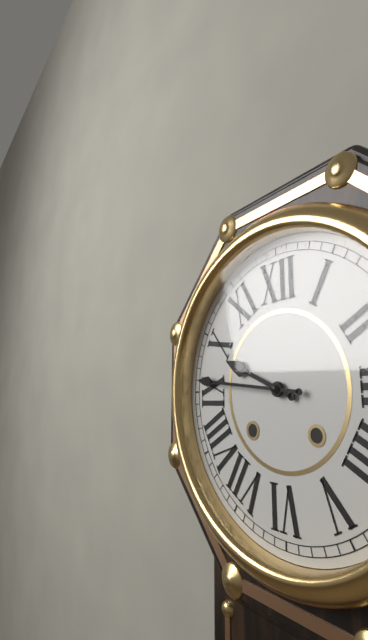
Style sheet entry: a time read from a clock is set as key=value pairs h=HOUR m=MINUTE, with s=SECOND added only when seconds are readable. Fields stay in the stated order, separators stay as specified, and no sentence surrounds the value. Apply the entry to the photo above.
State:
h=9 m=46
